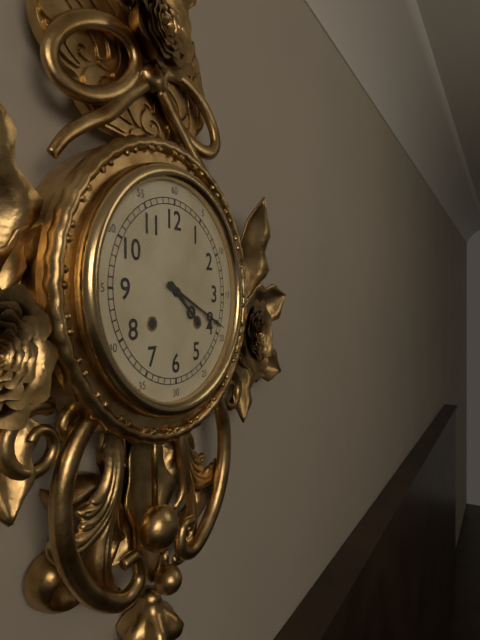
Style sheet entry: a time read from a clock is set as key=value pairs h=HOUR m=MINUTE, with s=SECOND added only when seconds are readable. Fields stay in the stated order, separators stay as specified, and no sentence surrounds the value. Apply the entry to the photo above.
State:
h=4 m=19
